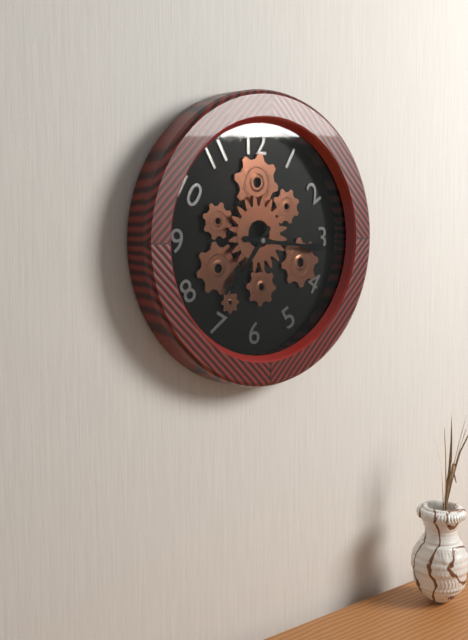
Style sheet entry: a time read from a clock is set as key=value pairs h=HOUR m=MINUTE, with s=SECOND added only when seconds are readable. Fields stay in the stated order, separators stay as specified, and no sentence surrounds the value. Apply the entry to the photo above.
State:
h=7 m=16
